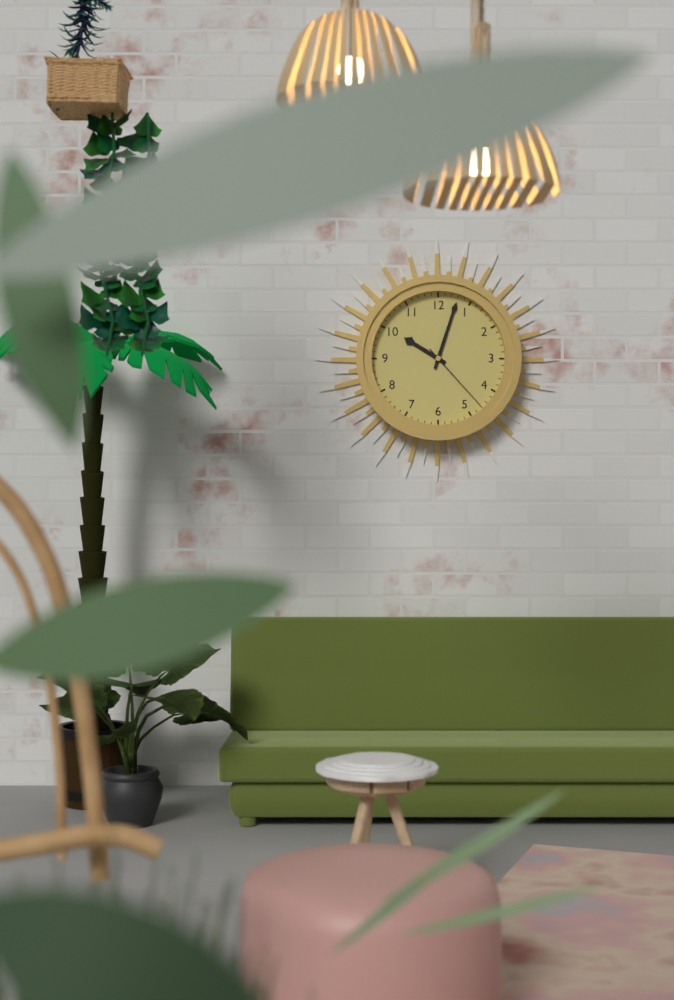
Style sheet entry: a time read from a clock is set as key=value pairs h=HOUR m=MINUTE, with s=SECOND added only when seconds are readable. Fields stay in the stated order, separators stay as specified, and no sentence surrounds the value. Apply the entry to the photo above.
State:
h=10 m=3 s=23
